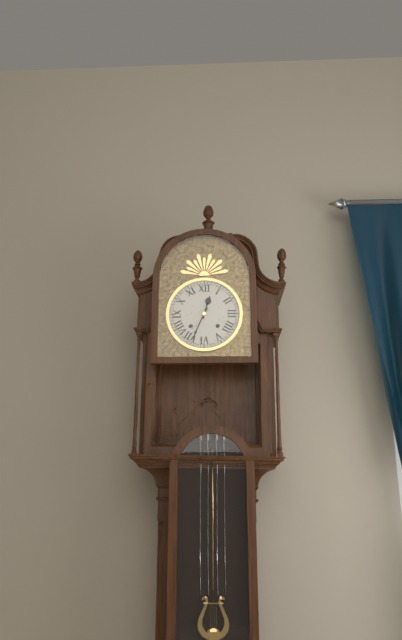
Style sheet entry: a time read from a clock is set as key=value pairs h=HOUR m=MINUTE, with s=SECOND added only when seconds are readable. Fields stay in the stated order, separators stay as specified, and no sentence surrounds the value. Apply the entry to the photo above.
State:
h=12 m=34
